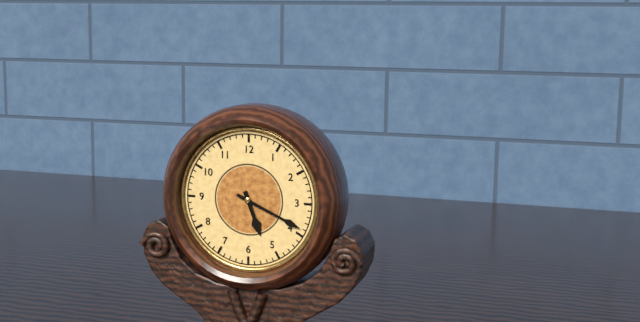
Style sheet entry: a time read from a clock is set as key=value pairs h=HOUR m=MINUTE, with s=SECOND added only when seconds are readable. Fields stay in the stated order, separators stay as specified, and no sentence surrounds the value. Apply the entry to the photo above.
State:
h=5 m=19
